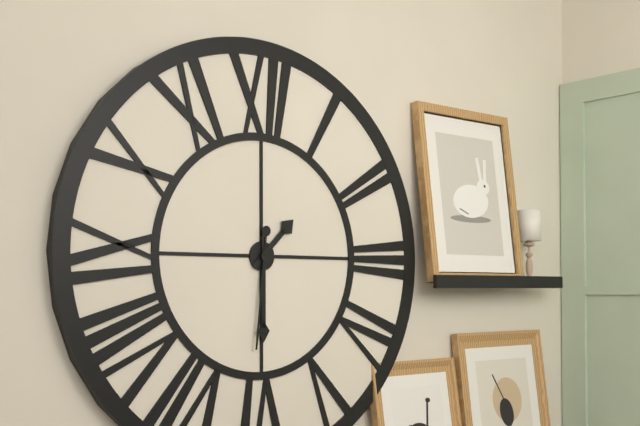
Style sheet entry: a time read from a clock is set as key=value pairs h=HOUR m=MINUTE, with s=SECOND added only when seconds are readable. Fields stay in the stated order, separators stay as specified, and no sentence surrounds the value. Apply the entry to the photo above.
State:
h=1 m=30 s=31
